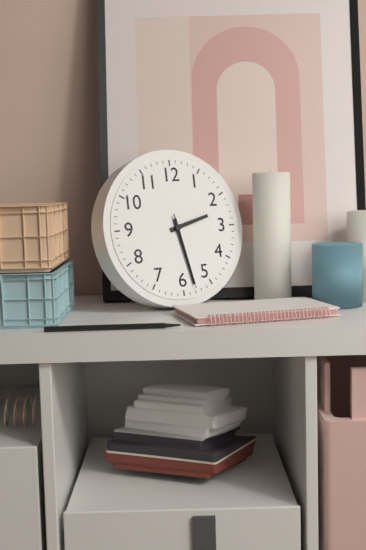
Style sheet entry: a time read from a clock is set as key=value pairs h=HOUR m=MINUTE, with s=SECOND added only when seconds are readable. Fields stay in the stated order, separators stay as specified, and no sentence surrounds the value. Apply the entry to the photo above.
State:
h=2 m=28 s=28
